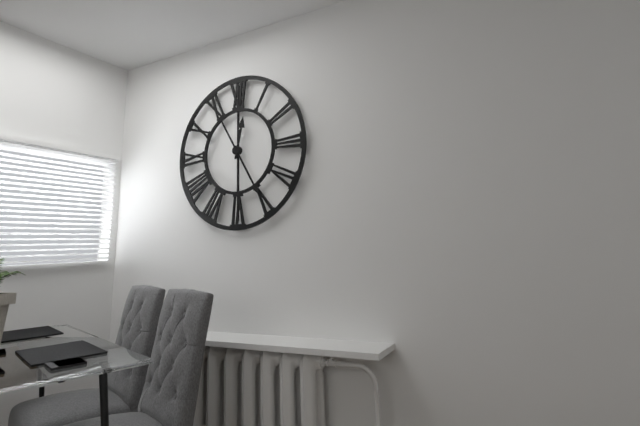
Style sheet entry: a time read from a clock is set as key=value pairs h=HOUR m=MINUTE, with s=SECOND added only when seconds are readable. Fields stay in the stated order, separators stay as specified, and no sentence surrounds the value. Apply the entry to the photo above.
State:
h=12 m=25
